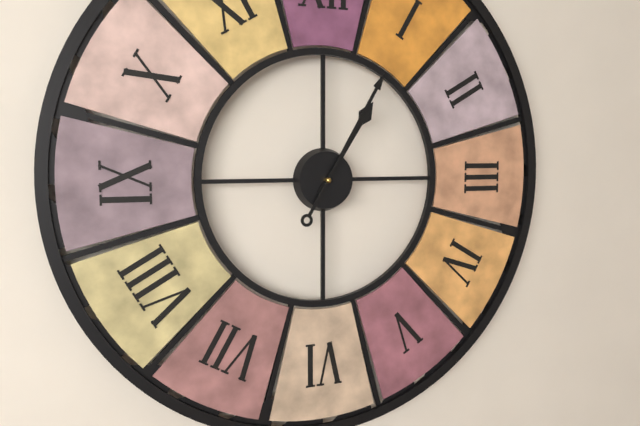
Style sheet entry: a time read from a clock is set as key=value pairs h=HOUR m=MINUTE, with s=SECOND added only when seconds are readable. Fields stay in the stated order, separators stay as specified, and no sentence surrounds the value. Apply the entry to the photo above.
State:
h=1 m=5
